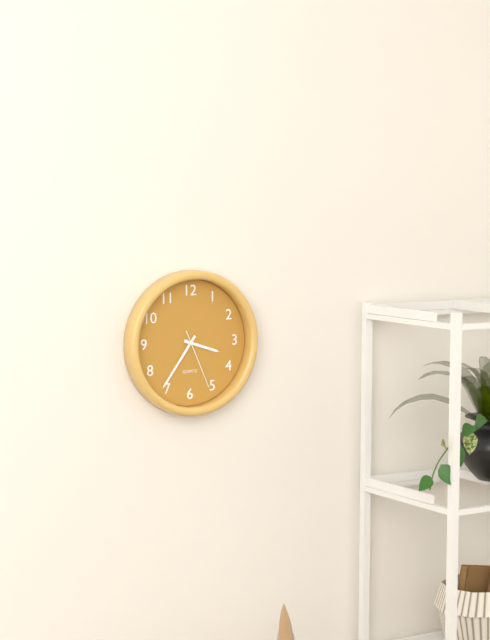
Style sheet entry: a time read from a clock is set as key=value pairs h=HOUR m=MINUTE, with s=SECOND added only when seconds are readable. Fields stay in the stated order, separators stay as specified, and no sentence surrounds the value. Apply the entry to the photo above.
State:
h=3 m=36 s=26
